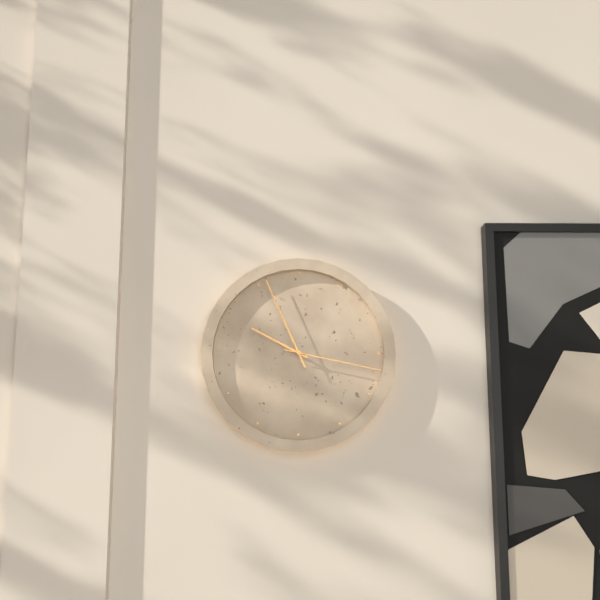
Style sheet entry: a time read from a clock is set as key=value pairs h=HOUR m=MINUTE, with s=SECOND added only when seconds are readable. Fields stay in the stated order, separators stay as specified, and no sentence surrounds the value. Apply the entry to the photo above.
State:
h=9 m=56 s=17
